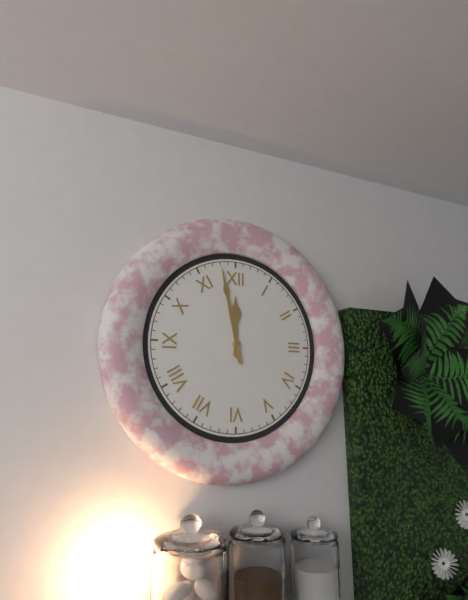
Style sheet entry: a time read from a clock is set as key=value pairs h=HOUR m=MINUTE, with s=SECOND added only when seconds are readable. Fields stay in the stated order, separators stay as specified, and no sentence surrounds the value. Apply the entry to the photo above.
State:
h=11 m=58
